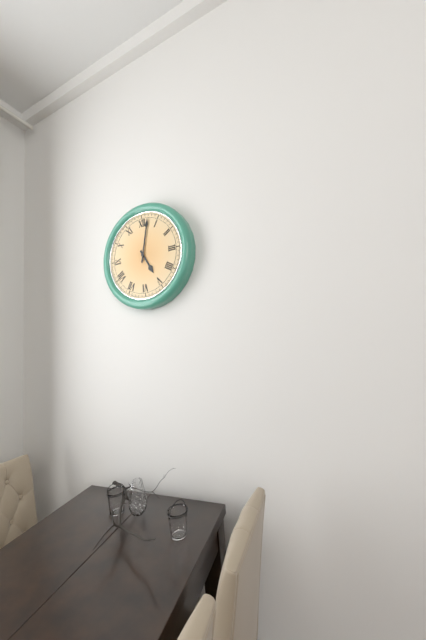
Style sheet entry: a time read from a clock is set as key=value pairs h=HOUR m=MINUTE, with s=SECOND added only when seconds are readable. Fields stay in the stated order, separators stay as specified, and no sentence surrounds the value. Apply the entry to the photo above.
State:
h=5 m=2
